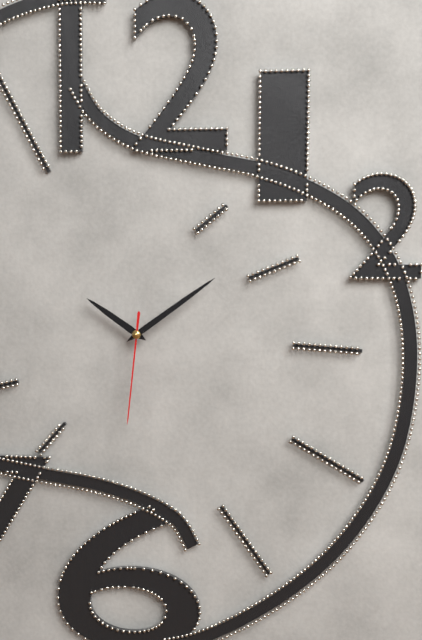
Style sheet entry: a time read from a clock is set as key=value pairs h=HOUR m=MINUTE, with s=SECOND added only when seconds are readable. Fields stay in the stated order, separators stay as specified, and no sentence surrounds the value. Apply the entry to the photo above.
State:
h=10 m=9 s=31
